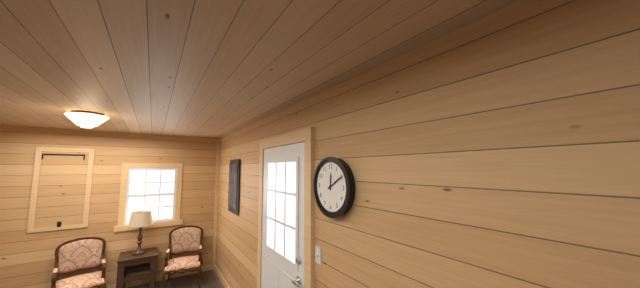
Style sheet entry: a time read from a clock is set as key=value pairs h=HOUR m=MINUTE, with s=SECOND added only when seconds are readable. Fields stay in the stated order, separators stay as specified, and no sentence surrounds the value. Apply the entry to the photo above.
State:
h=12 m=10
